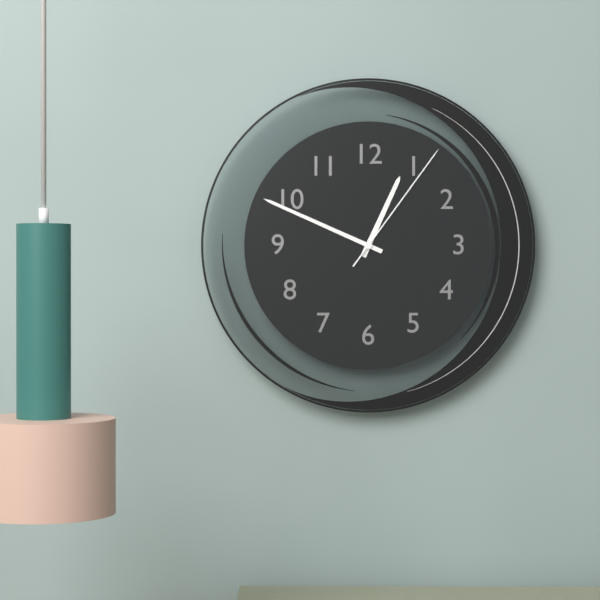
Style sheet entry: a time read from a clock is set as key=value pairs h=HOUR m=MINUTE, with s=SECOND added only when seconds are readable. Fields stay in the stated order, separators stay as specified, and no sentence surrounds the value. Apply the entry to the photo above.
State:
h=12 m=49 s=6
